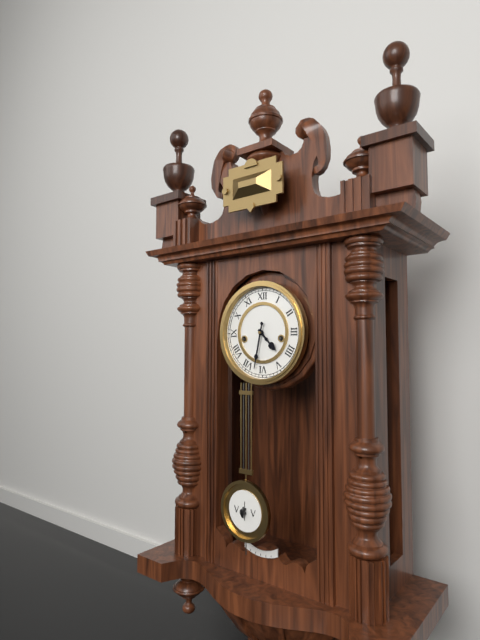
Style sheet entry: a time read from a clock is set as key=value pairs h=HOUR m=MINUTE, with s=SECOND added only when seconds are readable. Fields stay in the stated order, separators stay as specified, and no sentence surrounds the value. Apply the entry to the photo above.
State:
h=4 m=32
